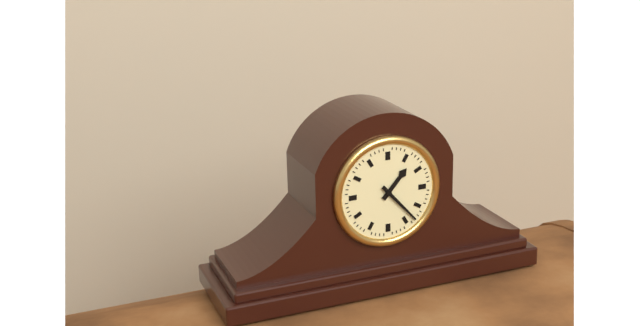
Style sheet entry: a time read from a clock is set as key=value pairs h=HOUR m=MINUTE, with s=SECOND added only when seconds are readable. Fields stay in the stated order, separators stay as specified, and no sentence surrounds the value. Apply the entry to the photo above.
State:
h=1 m=23
